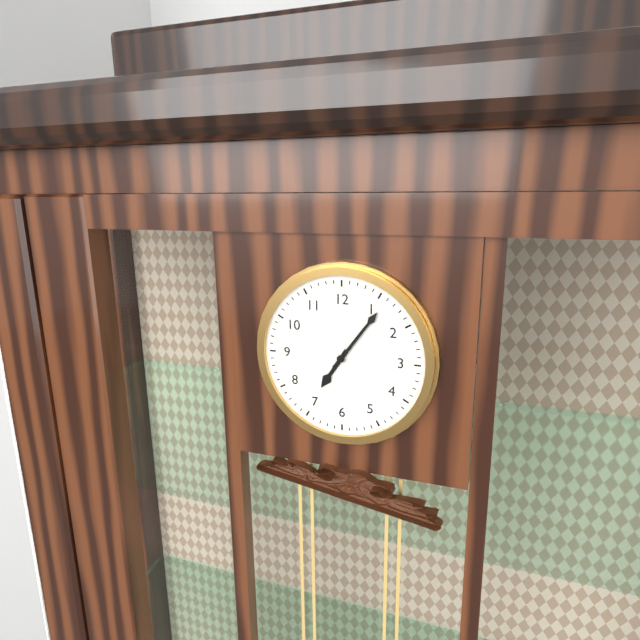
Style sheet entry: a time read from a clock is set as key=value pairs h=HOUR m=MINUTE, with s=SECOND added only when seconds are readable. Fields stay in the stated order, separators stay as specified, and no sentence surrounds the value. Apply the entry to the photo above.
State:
h=7 m=6
